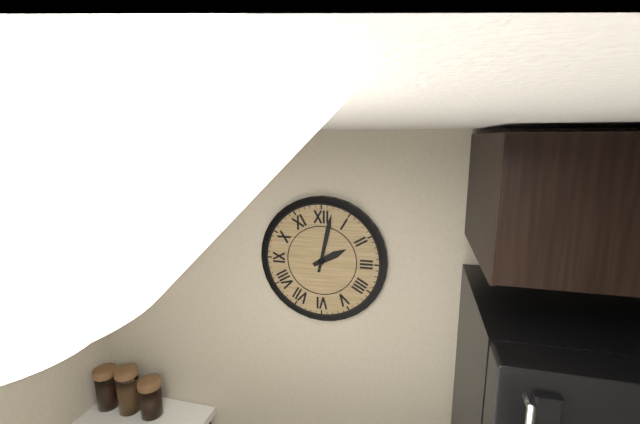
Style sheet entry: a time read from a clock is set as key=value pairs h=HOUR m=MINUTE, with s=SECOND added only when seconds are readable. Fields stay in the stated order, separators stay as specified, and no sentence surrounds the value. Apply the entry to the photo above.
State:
h=2 m=2
